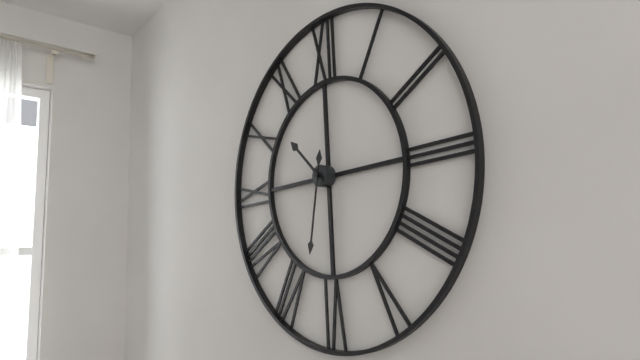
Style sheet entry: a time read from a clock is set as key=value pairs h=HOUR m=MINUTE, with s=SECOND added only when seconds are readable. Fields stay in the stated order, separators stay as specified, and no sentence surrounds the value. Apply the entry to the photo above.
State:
h=10 m=32
